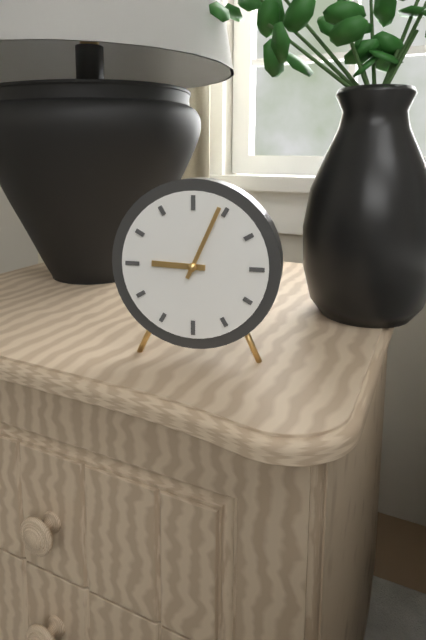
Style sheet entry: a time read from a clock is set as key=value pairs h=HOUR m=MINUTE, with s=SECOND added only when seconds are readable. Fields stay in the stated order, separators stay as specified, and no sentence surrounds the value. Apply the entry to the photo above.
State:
h=9 m=4
